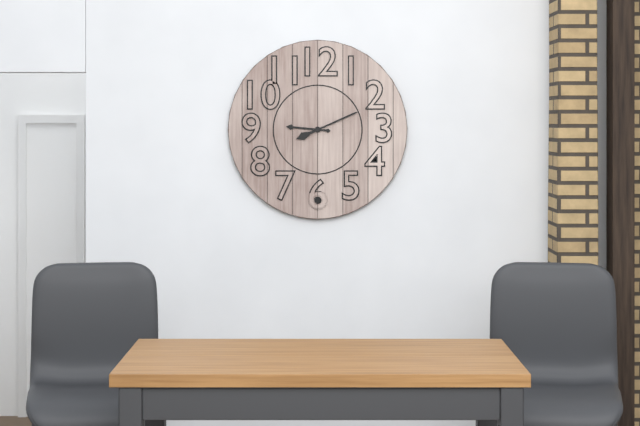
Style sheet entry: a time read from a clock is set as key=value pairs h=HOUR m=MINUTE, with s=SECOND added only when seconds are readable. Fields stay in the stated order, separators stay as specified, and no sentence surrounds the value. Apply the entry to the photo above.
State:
h=9 m=11
